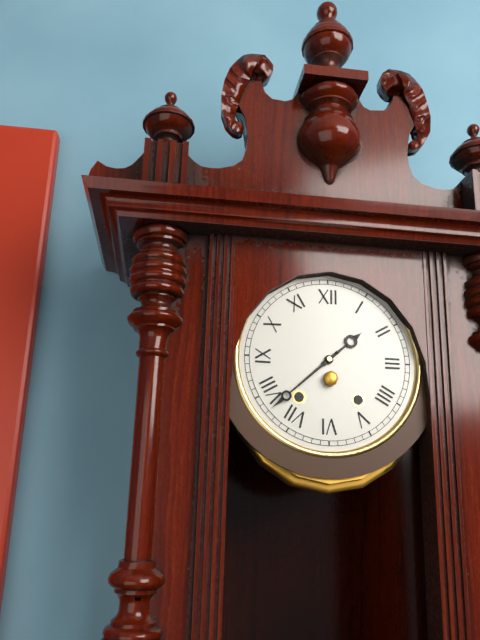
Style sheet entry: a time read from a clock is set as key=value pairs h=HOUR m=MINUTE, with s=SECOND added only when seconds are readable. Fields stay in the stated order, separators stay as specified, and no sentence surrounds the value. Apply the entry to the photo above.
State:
h=1 m=38
